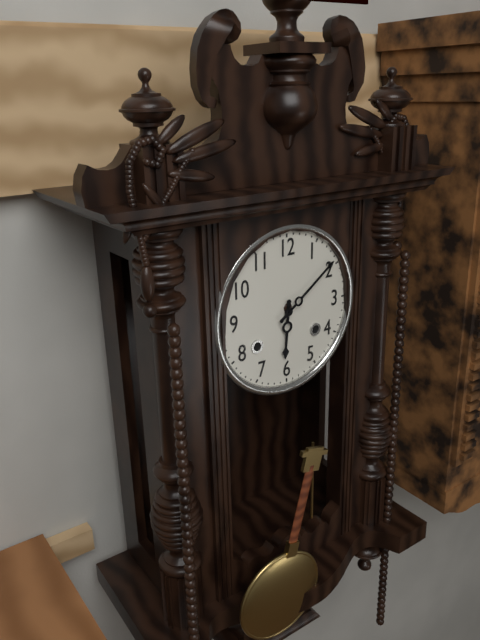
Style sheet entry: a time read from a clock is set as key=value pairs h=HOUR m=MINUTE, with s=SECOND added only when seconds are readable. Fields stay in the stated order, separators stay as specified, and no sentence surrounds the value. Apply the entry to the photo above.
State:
h=6 m=9
